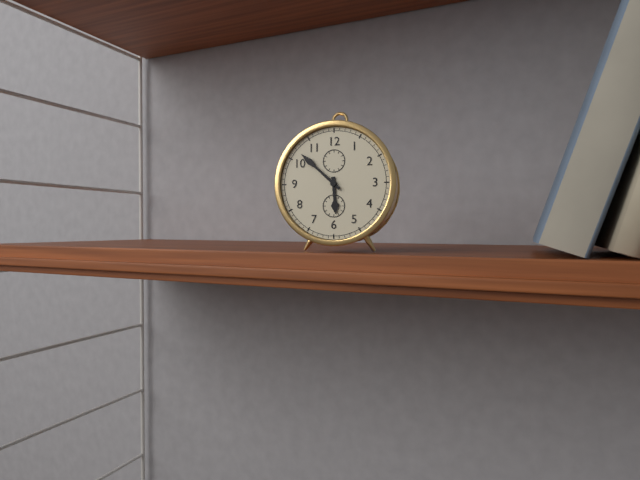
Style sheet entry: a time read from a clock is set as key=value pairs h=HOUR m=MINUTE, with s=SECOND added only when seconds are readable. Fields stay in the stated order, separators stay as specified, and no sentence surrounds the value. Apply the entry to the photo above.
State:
h=5 m=52
